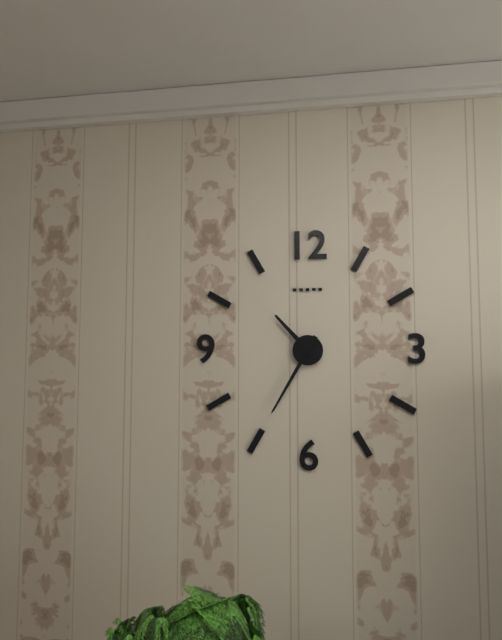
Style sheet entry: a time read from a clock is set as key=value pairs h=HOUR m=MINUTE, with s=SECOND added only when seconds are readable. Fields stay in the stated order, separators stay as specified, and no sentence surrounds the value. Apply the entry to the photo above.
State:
h=10 m=35
